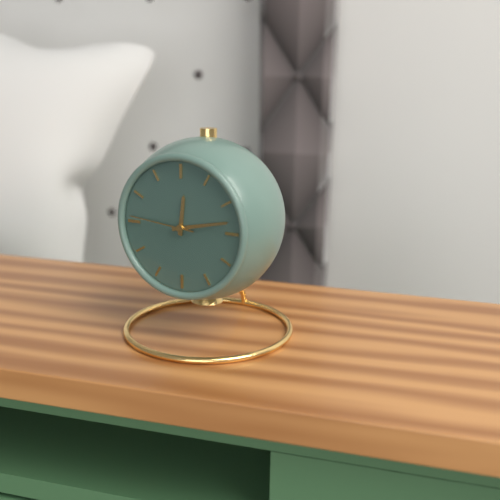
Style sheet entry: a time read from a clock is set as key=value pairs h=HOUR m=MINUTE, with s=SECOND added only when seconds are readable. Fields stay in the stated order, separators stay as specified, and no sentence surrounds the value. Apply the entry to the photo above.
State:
h=12 m=13 s=46
